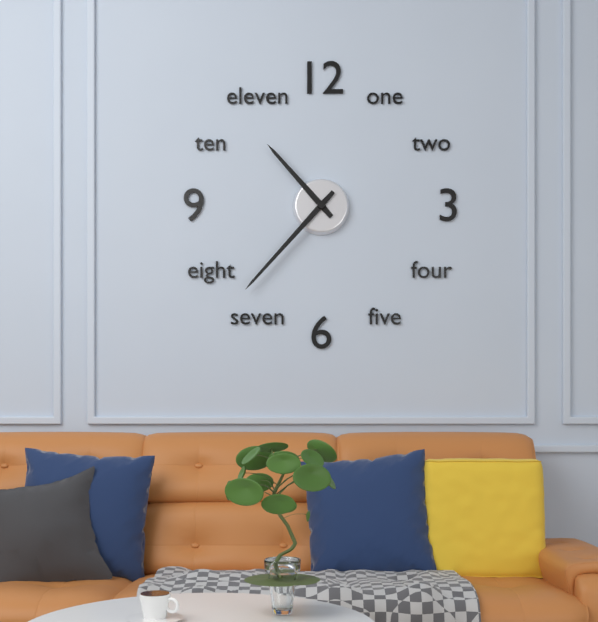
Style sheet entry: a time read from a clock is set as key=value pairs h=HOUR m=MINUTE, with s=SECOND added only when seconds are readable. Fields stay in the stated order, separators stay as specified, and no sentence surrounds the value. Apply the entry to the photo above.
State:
h=10 m=37
